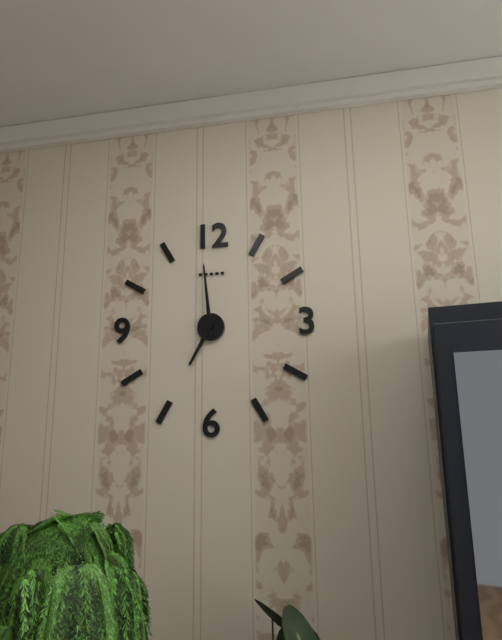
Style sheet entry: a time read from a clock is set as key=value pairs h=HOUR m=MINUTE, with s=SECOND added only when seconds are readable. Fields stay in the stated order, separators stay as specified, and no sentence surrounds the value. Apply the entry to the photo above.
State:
h=6 m=59
